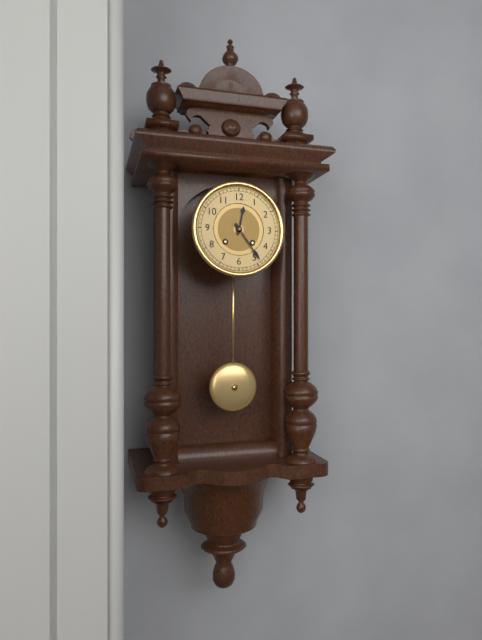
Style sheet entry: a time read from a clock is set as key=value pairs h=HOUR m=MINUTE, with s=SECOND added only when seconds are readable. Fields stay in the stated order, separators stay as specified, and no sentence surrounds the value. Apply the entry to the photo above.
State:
h=12 m=24
